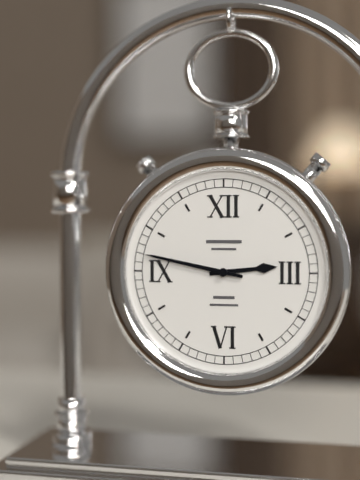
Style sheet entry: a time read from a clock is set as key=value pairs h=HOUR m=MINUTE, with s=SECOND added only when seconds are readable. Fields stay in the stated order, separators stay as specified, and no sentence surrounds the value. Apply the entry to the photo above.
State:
h=2 m=47
